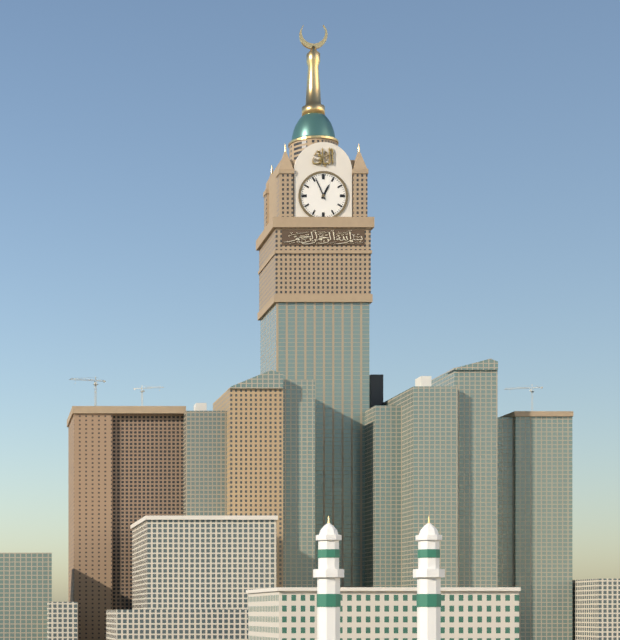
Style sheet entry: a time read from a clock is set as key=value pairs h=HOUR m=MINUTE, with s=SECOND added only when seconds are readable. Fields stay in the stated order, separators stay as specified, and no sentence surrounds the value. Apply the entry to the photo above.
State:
h=12 m=56
